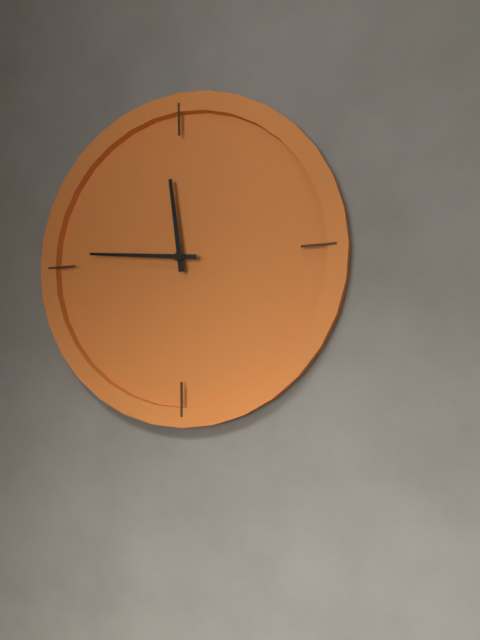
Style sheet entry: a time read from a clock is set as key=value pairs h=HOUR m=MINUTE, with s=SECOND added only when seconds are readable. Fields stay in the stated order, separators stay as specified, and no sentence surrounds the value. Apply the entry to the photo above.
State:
h=11 m=46
